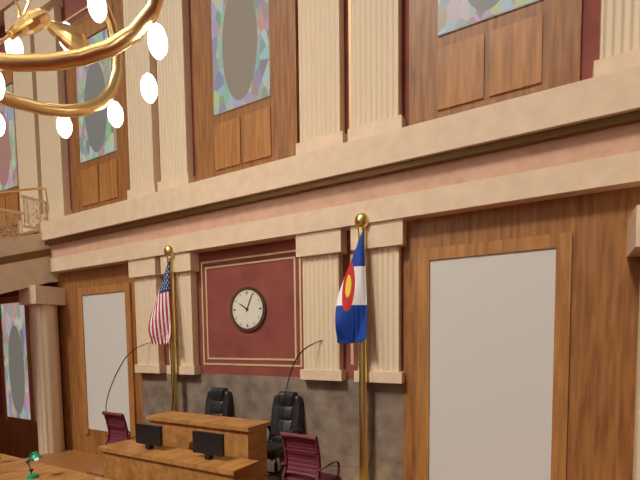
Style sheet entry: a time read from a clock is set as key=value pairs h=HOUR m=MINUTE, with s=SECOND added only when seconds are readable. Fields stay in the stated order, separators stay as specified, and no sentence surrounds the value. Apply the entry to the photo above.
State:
h=10 m=4
